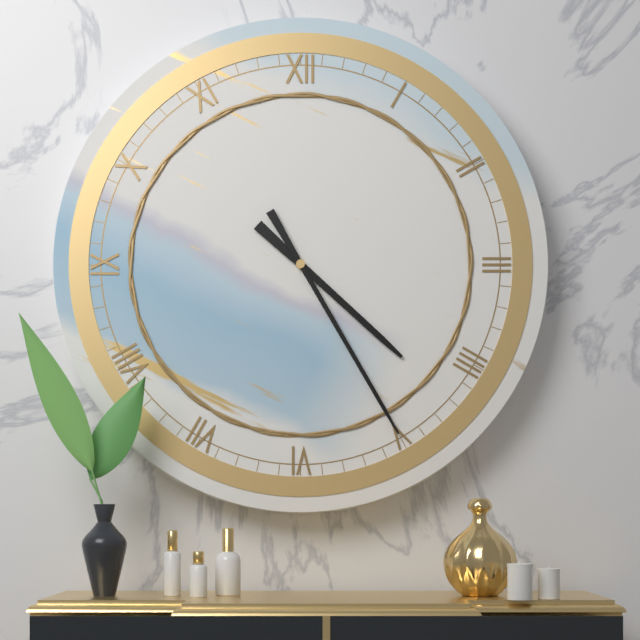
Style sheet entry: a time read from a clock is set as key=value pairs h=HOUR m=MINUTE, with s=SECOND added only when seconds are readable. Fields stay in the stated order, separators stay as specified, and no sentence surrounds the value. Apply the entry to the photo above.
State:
h=4 m=25
